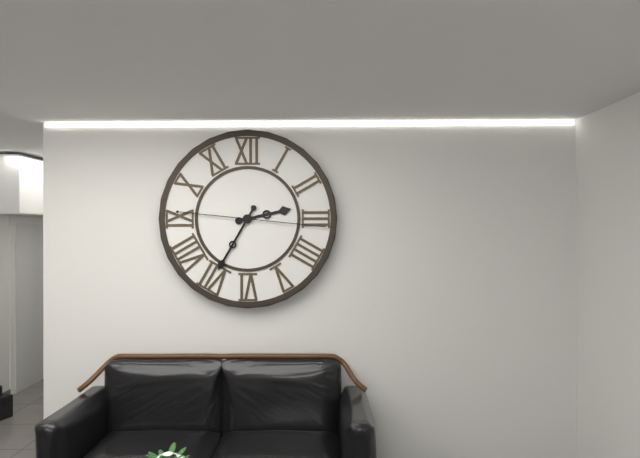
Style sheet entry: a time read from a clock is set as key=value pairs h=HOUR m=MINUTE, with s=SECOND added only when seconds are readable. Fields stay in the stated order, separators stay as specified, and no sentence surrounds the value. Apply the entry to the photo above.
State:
h=2 m=35 s=16
